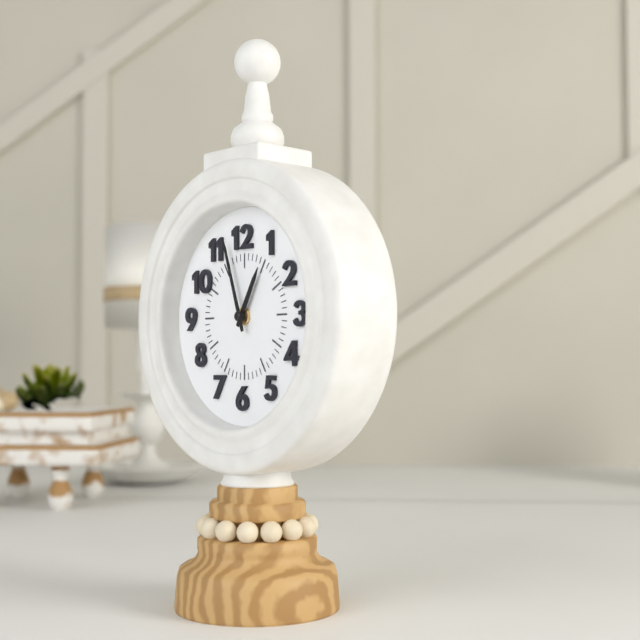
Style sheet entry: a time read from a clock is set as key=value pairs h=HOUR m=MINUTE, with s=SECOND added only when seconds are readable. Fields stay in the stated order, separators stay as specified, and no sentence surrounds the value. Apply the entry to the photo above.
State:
h=12 m=57
